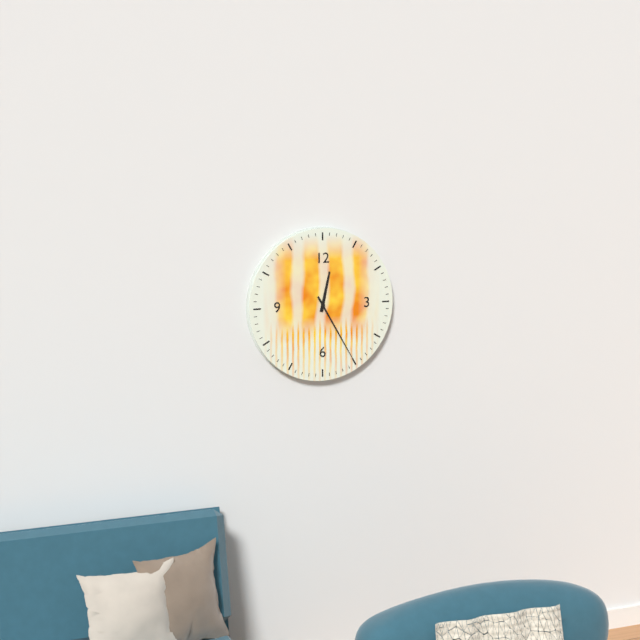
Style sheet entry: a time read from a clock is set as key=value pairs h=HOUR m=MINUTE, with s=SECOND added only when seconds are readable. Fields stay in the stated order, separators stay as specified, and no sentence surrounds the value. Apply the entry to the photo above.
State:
h=12 m=25
